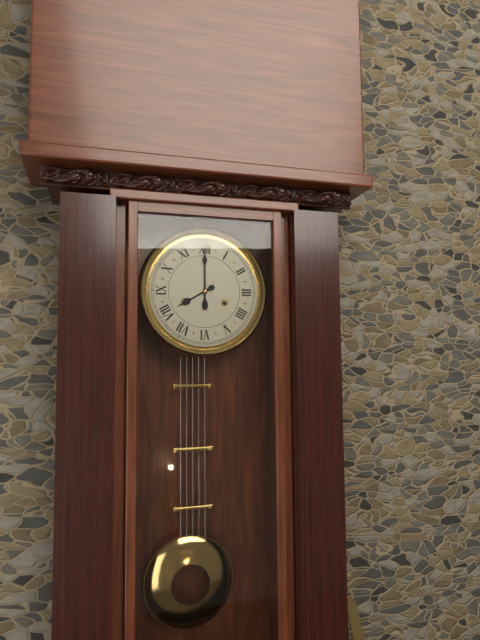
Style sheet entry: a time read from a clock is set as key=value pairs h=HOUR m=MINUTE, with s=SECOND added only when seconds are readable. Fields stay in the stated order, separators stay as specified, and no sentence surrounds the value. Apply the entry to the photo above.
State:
h=8 m=0
